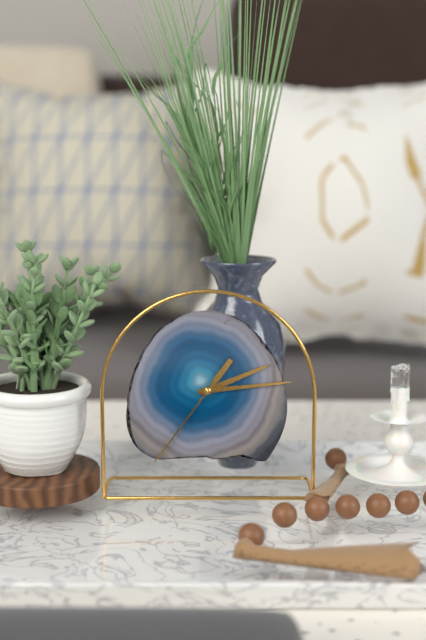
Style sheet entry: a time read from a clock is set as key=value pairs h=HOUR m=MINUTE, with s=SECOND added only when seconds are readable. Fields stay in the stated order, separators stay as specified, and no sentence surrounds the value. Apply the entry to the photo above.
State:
h=2 m=14 s=36
